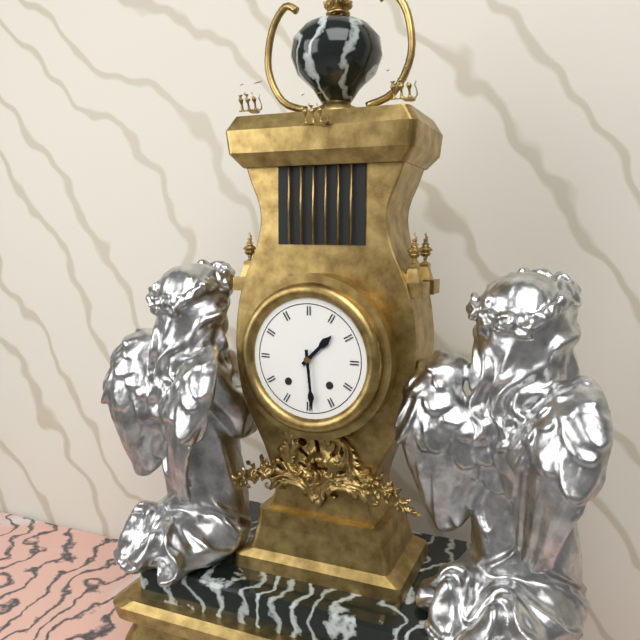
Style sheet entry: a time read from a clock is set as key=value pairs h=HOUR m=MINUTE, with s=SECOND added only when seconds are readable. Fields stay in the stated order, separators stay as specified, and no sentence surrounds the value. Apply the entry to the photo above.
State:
h=1 m=29
